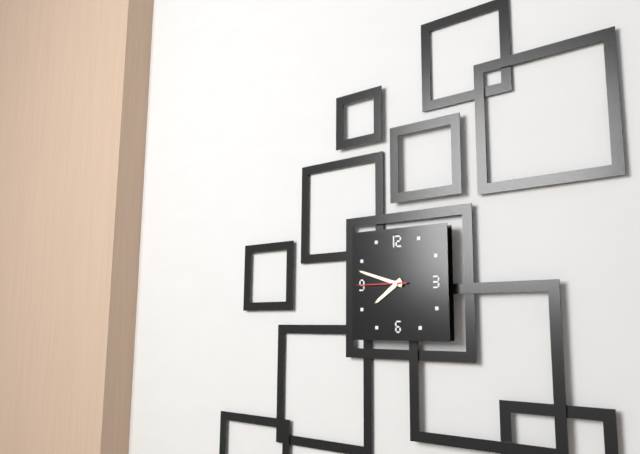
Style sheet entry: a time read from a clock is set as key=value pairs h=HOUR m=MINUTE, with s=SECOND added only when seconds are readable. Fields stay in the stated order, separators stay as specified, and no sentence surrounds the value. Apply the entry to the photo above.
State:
h=7 m=48 s=45
